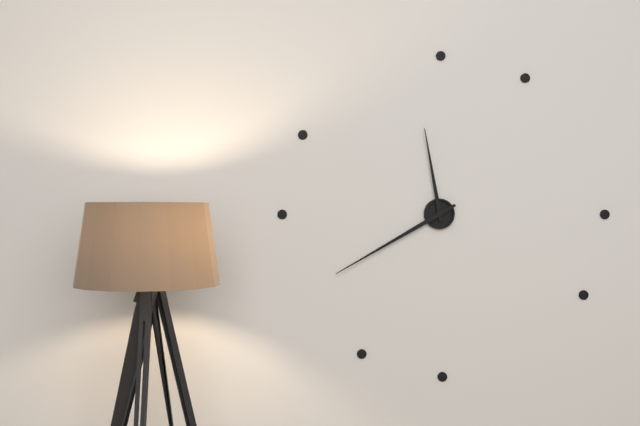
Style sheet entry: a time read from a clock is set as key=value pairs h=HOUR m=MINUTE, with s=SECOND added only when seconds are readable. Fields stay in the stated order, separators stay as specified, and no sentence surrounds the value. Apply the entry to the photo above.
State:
h=11 m=40
